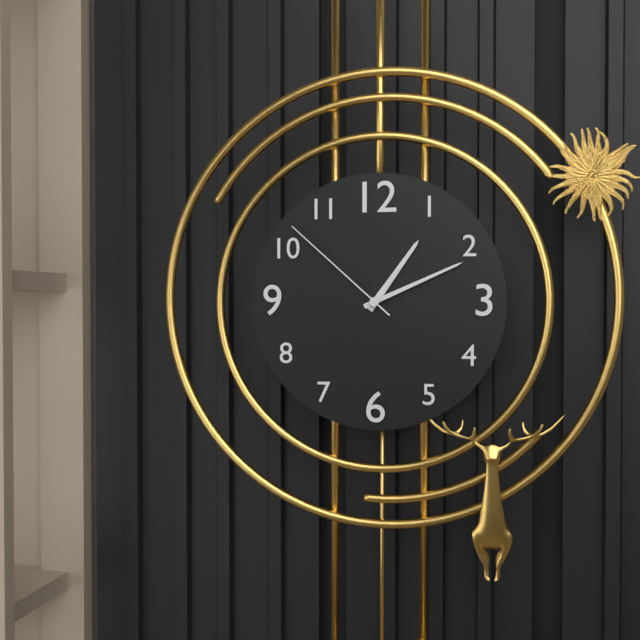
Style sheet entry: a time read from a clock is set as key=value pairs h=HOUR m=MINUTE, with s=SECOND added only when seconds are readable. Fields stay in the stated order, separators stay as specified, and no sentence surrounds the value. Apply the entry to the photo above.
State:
h=1 m=11 s=52
